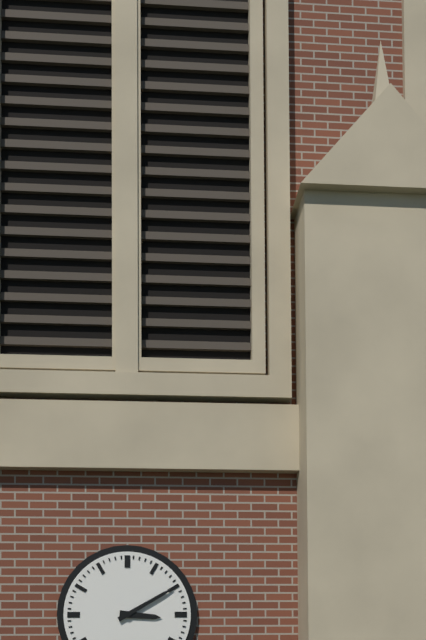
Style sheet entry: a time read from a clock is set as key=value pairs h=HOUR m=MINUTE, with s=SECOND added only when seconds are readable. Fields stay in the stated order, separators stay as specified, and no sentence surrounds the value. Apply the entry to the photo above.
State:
h=3 m=10
